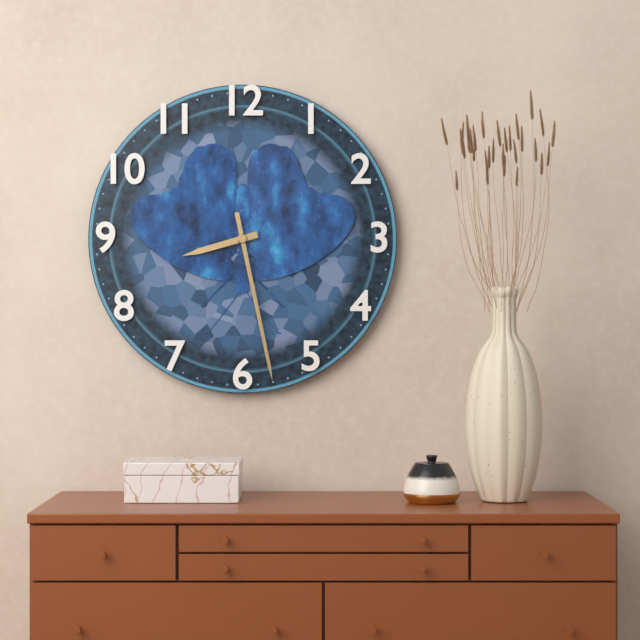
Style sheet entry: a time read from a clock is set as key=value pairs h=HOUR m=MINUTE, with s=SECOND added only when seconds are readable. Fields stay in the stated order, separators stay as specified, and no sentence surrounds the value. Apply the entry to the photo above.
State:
h=8 m=28
